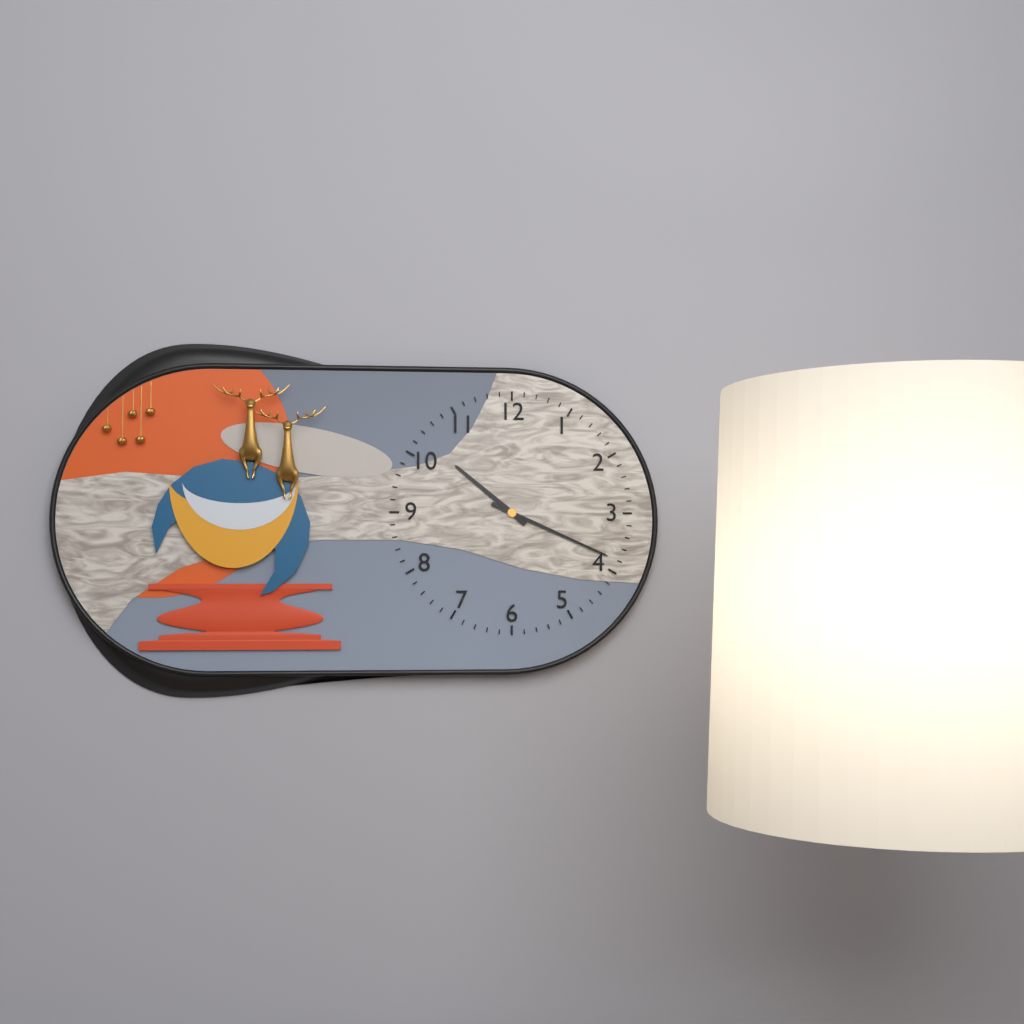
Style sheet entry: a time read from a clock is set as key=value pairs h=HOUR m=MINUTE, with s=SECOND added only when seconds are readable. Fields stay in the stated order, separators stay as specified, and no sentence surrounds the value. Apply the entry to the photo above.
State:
h=10 m=19
